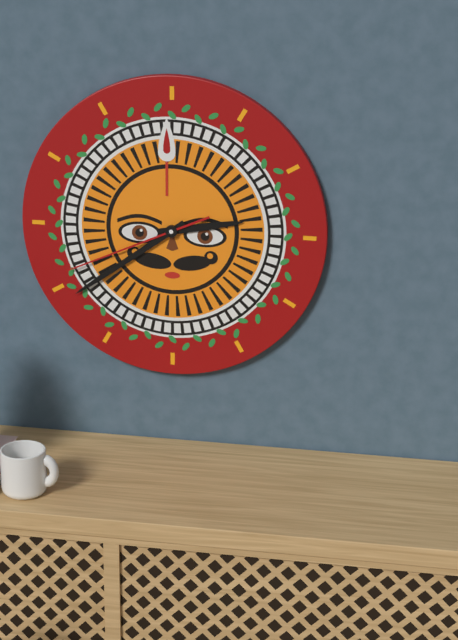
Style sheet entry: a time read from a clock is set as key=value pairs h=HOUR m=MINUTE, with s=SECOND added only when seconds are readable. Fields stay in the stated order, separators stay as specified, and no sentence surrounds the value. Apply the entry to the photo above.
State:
h=2 m=39 s=41
